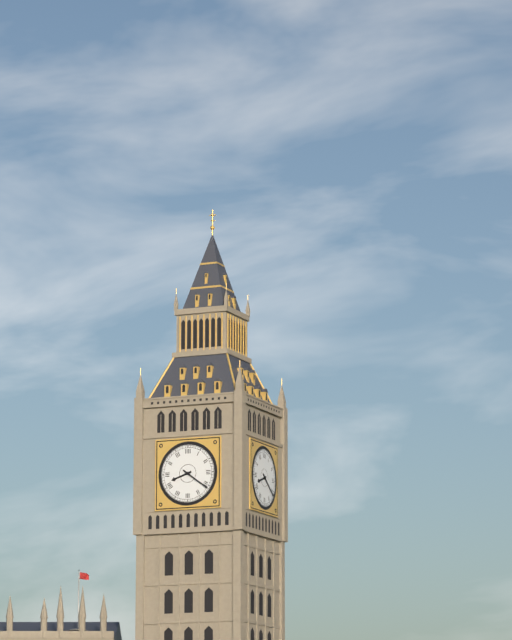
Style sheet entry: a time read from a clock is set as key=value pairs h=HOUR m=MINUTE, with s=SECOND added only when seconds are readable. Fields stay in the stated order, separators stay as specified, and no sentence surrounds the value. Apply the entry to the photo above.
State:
h=8 m=21
